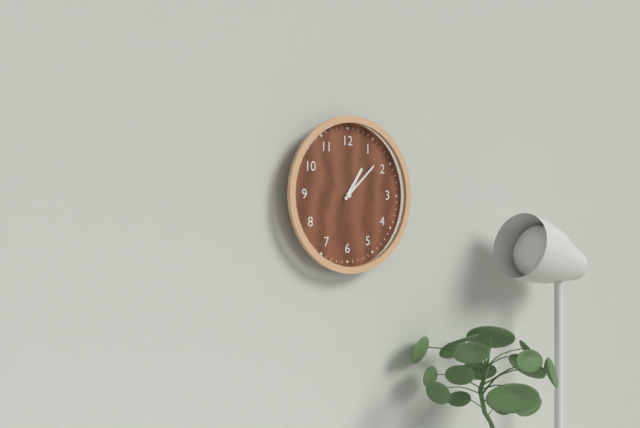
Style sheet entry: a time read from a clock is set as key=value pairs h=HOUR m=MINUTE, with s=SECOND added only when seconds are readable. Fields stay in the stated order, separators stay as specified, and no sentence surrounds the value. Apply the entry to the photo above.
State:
h=1 m=8
